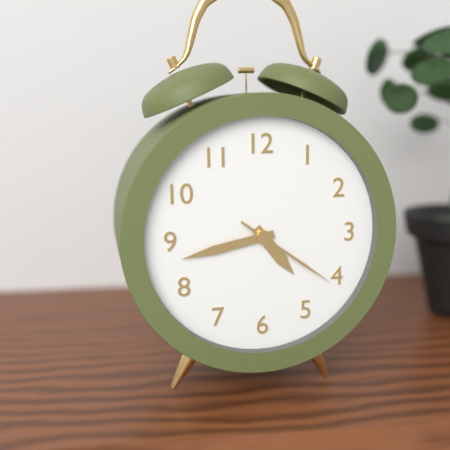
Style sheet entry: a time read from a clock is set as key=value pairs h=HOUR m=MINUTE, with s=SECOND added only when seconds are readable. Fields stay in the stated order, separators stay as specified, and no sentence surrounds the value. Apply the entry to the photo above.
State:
h=4 m=43 s=21
